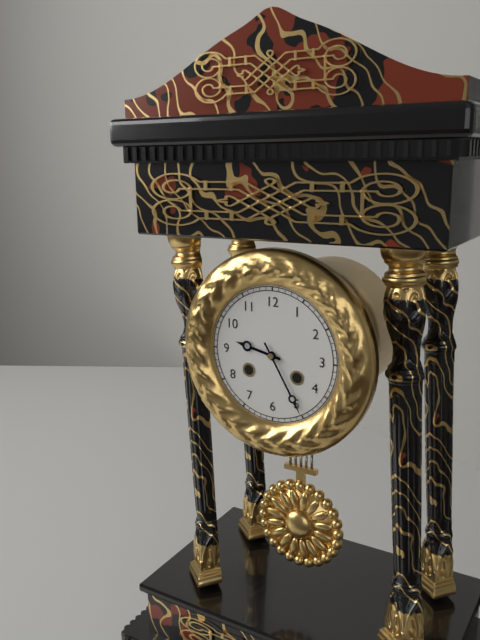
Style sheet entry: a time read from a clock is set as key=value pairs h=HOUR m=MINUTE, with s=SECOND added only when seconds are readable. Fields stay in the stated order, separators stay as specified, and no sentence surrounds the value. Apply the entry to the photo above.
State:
h=9 m=25
